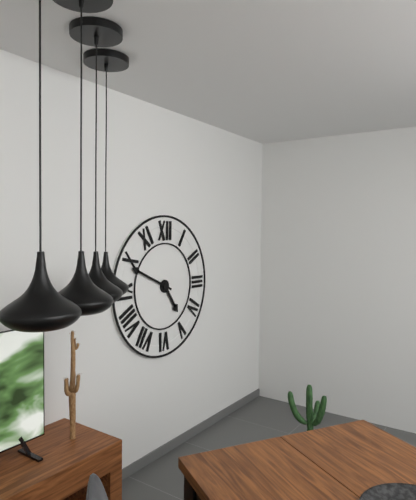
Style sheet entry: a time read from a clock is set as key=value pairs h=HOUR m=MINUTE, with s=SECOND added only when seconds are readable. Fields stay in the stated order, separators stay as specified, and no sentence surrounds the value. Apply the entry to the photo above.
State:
h=4 m=49
